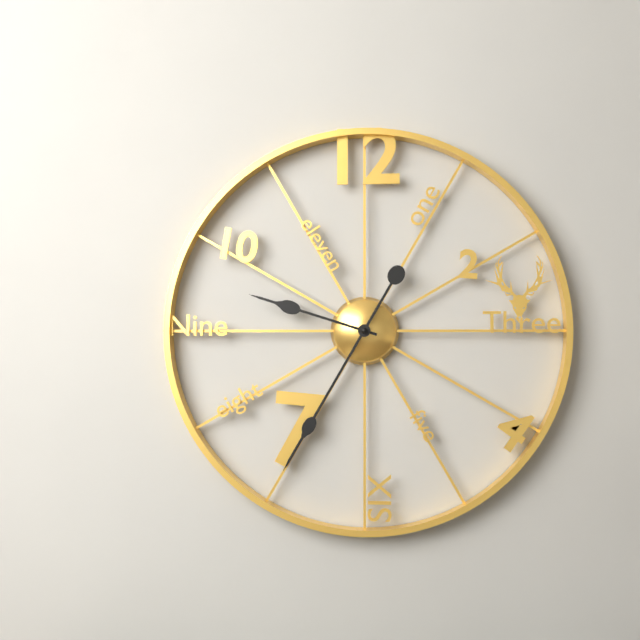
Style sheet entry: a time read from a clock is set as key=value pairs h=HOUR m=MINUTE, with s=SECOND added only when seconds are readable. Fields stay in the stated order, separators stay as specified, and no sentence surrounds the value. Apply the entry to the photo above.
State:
h=9 m=35
